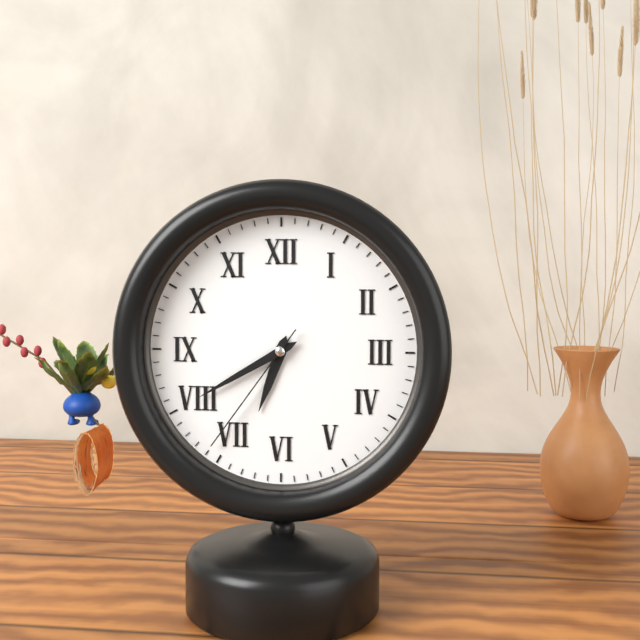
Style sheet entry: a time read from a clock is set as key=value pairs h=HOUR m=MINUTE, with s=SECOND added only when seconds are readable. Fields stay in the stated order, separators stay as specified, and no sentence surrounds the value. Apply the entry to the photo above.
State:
h=6 m=40 s=36
